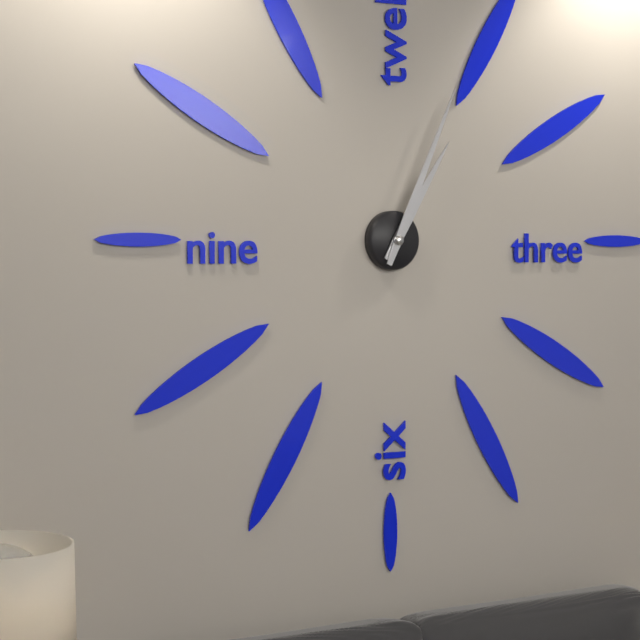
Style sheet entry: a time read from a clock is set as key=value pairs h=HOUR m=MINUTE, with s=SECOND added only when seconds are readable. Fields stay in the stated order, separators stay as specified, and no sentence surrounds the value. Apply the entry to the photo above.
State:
h=1 m=4
